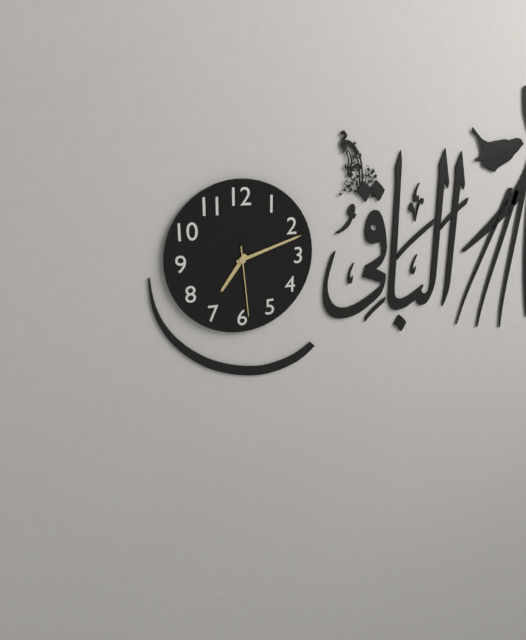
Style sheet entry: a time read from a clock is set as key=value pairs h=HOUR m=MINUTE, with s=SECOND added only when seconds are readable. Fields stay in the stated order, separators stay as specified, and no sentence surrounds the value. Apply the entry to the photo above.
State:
h=7 m=12 s=29
